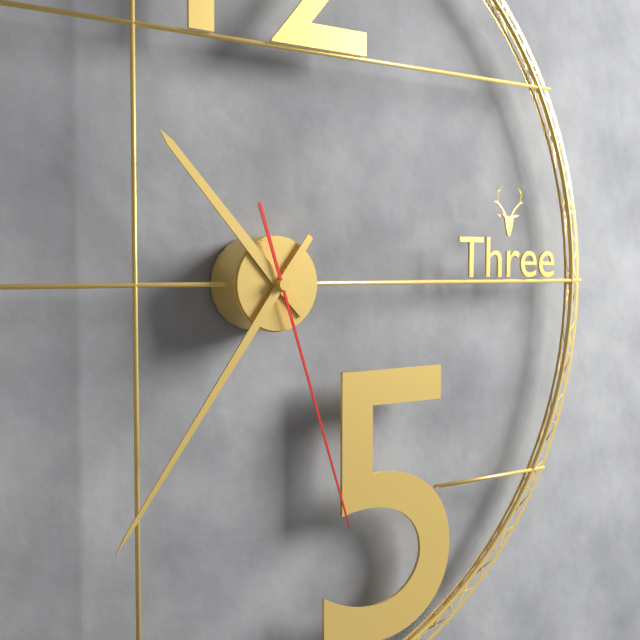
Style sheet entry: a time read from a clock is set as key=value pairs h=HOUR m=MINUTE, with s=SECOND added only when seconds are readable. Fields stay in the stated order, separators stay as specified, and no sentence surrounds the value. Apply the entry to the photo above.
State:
h=10 m=36 s=27
